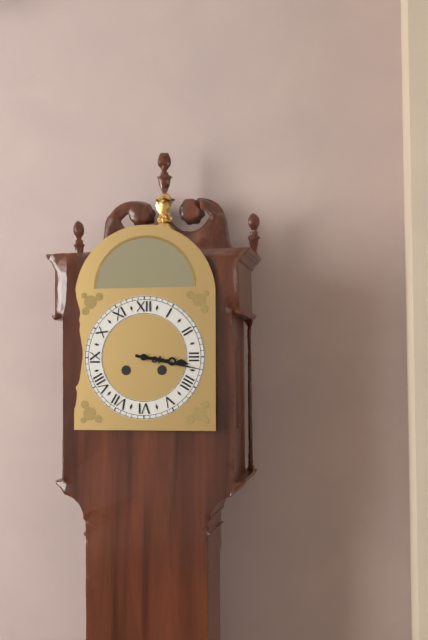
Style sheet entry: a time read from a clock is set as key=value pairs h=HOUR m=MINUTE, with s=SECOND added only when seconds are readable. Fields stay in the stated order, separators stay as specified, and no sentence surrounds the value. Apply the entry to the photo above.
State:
h=3 m=17
